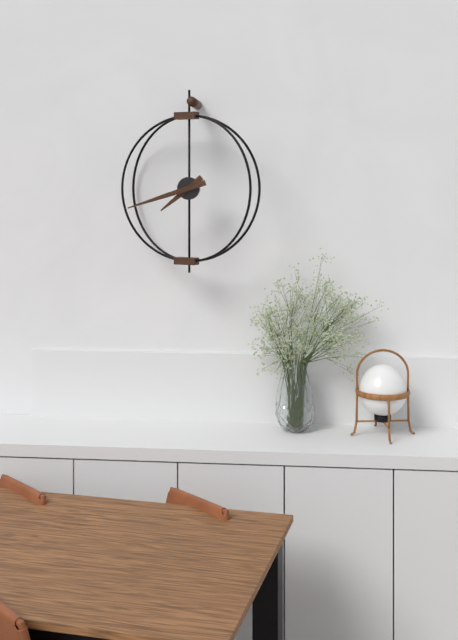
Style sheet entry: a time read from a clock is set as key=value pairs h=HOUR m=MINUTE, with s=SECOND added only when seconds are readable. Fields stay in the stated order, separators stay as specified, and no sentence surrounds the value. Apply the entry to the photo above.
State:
h=7 m=42
